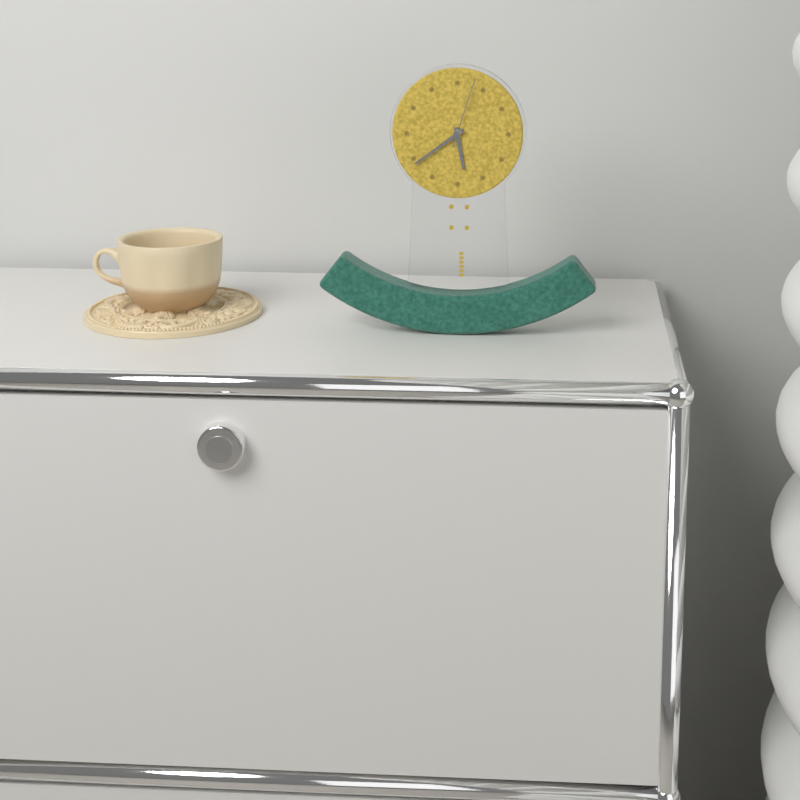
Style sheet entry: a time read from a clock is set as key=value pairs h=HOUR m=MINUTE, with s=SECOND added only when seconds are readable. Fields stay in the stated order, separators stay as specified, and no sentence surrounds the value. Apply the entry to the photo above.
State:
h=5 m=39 s=3
